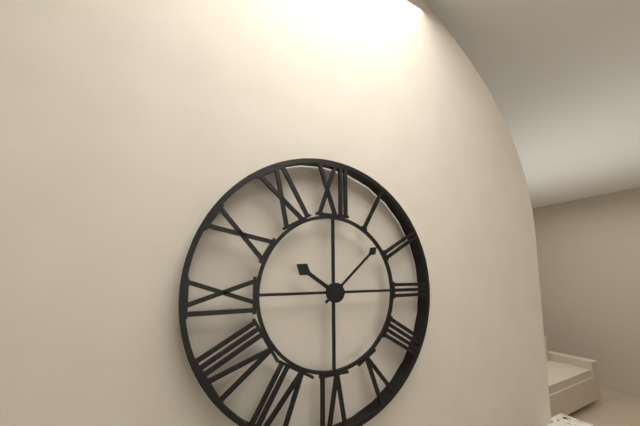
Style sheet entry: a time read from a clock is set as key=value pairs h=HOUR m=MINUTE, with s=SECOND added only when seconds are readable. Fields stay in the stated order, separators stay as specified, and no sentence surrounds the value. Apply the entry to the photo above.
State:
h=10 m=8
